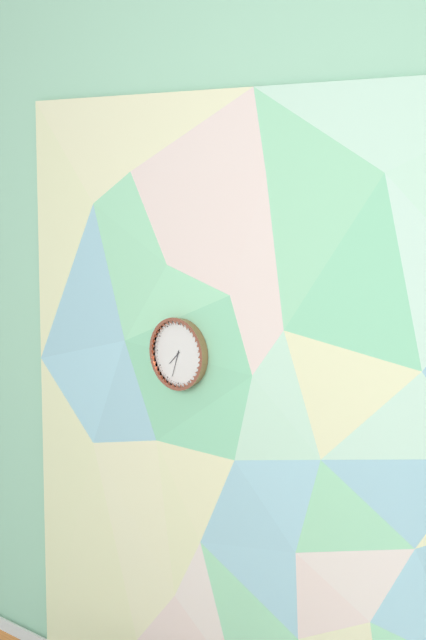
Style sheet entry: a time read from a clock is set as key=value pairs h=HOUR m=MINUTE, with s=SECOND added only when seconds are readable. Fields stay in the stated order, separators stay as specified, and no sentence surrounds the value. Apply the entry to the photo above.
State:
h=7 m=33
